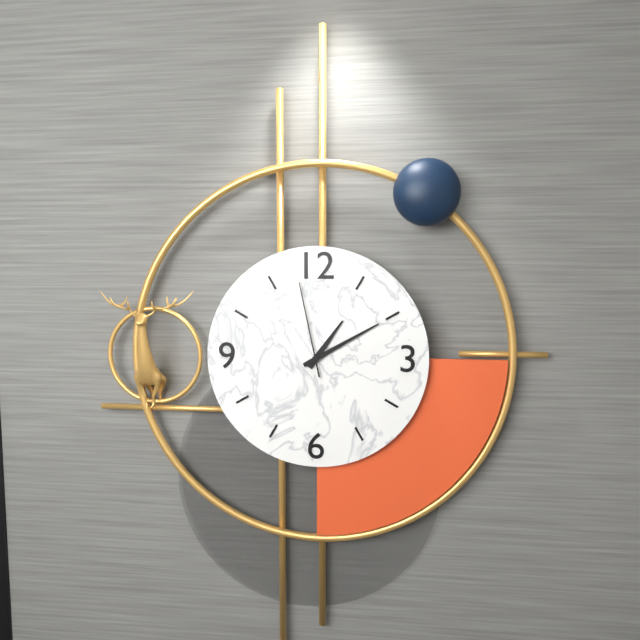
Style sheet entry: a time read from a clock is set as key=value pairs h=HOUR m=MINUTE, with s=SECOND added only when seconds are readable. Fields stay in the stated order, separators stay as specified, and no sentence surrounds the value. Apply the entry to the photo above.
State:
h=1 m=10 s=58
